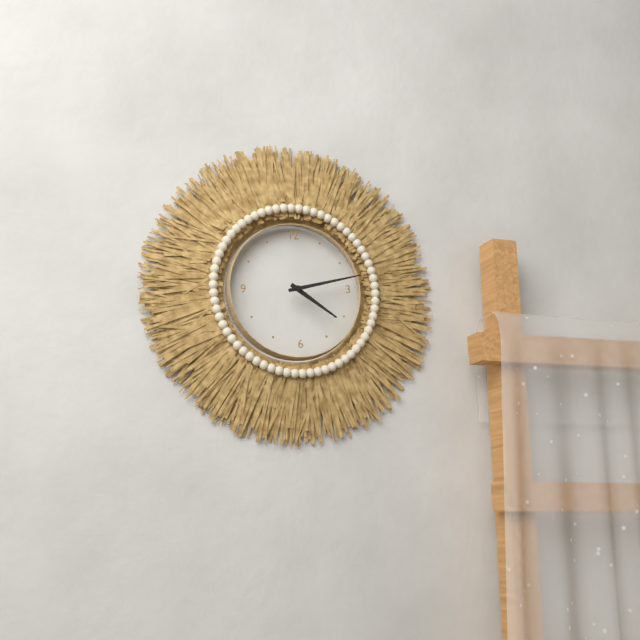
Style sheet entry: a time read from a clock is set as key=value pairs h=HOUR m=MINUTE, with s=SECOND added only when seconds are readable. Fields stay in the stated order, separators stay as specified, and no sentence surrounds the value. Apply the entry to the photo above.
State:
h=4 m=13
